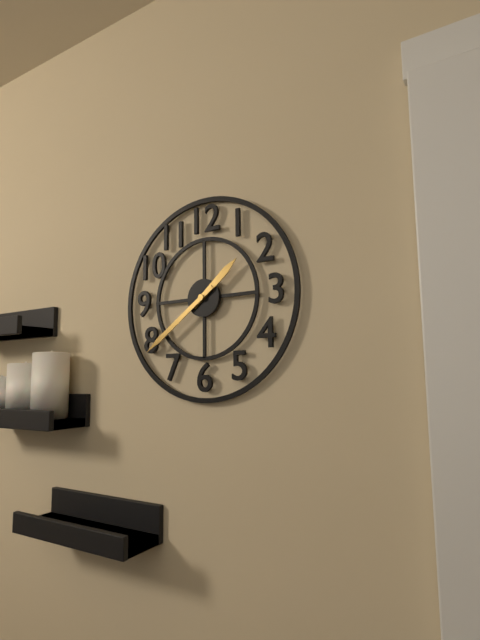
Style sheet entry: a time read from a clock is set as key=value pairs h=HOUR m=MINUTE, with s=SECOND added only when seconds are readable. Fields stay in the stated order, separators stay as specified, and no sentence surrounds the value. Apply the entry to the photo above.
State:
h=1 m=39
